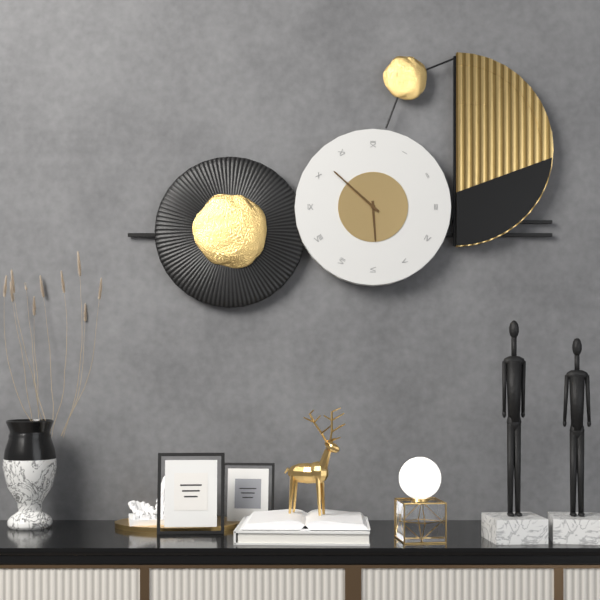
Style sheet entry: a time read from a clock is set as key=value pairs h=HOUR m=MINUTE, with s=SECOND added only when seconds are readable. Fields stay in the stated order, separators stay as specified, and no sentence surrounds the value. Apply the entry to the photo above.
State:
h=5 m=52
